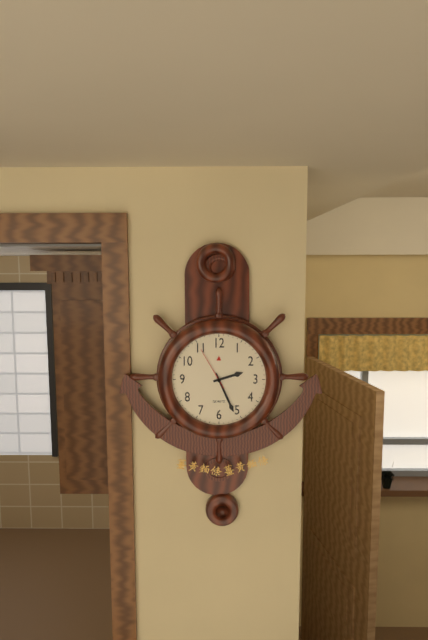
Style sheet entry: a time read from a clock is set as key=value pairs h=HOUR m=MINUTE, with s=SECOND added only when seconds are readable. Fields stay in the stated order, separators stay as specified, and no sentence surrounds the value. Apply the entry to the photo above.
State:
h=2 m=26
